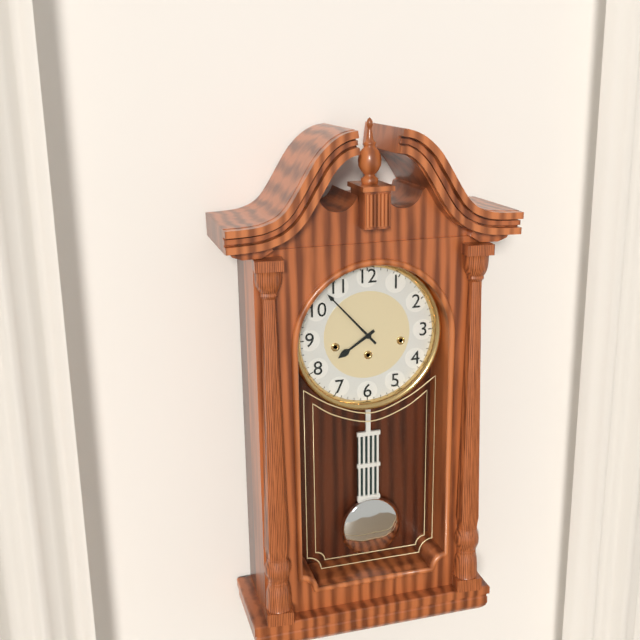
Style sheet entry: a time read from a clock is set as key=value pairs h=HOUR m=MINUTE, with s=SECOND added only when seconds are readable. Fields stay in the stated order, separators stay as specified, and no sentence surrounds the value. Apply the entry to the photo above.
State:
h=7 m=53
